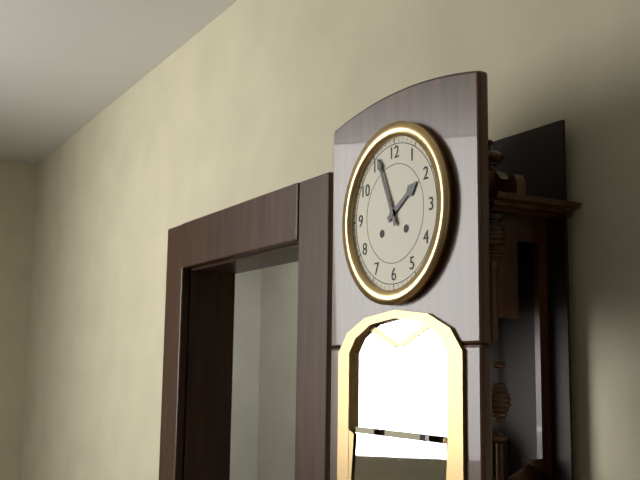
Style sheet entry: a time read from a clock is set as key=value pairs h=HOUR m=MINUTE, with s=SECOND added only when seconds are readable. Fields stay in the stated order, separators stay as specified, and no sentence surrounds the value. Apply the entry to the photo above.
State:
h=1 m=56
